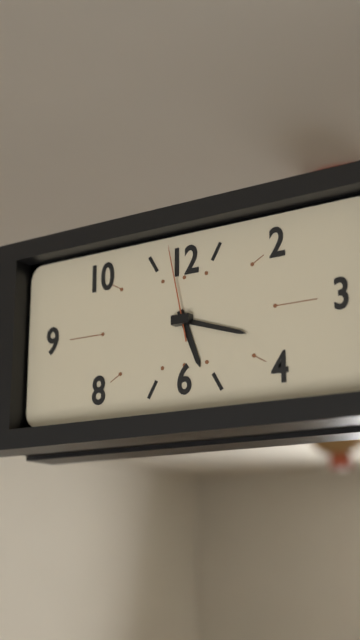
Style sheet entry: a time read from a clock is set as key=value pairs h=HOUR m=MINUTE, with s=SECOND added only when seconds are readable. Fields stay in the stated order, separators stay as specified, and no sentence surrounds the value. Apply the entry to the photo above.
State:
h=5 m=18 s=58
